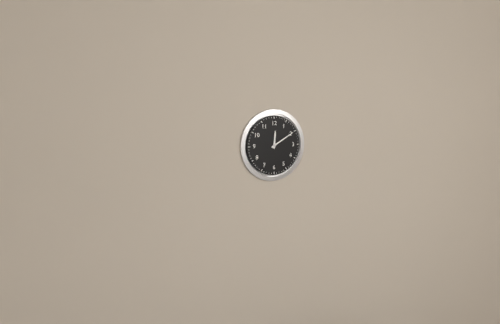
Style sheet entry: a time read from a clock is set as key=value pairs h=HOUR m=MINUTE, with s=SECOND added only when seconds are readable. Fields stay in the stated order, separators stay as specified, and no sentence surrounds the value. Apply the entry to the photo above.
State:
h=12 m=10
